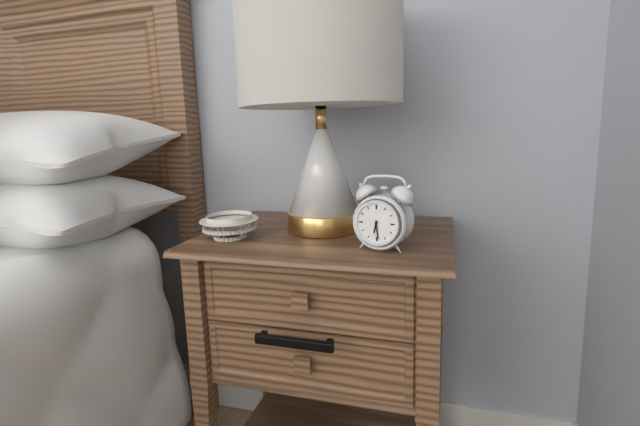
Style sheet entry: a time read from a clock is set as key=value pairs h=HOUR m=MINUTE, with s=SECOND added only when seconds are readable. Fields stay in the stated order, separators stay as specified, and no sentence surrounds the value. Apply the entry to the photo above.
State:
h=6 m=29
